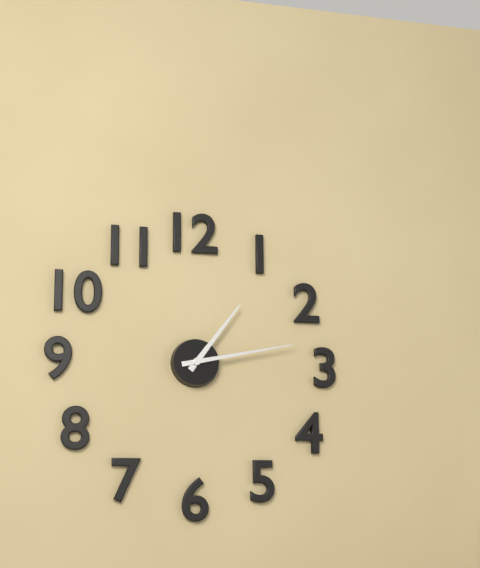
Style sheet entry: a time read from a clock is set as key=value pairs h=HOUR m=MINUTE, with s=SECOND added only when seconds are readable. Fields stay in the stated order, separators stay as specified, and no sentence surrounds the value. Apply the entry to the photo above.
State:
h=1 m=13
